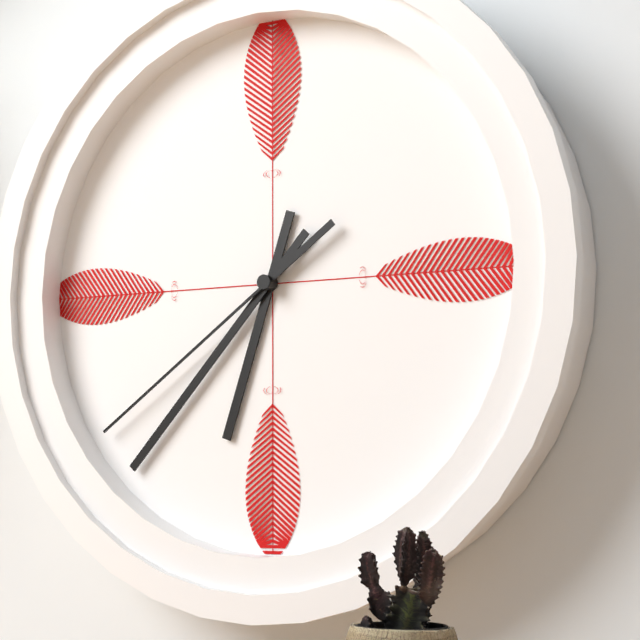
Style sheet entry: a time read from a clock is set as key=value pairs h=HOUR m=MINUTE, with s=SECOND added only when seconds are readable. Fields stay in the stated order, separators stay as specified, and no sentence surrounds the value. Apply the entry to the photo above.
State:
h=6 m=37 s=39
